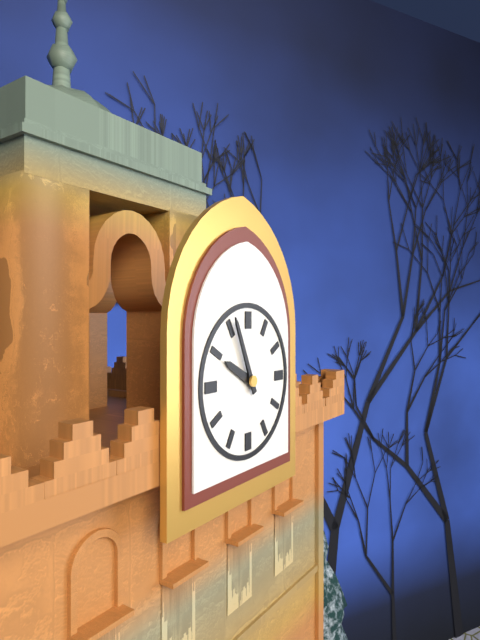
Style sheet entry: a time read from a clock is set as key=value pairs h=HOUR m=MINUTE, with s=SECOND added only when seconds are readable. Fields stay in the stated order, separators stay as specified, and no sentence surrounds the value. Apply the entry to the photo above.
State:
h=9 m=56
